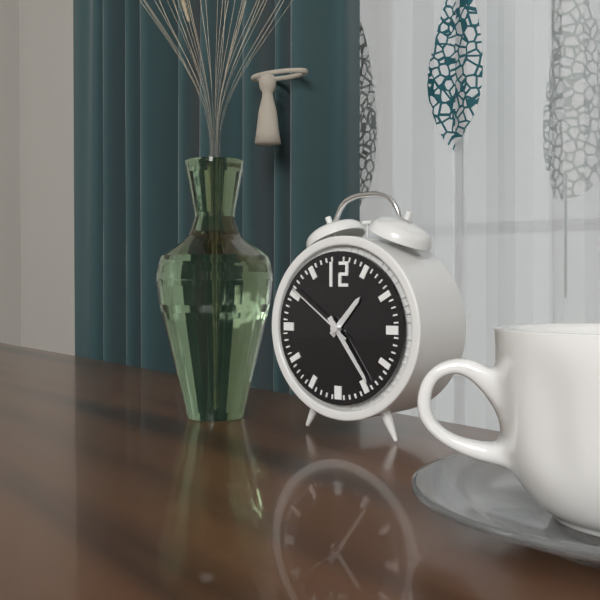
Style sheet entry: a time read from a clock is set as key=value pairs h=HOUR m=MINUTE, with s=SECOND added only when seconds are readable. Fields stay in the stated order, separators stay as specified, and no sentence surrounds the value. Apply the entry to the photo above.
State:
h=1 m=24 s=51
